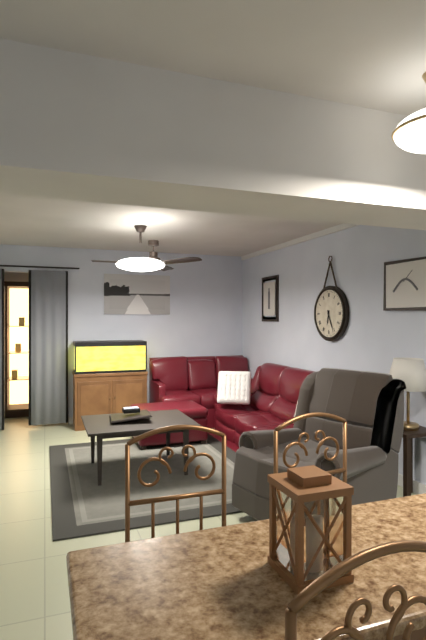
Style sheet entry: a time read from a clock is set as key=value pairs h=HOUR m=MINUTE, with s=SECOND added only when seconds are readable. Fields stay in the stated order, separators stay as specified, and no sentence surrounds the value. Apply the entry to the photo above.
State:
h=6 m=26
